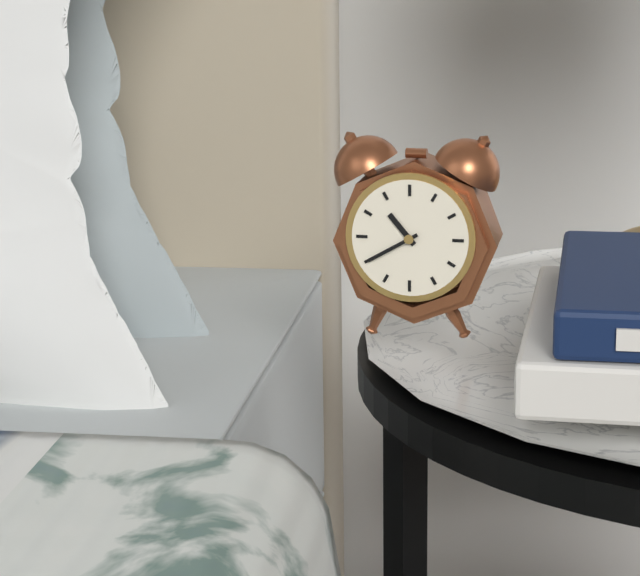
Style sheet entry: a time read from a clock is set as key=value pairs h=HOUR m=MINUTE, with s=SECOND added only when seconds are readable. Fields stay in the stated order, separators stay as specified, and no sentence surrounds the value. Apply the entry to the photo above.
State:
h=10 m=40
